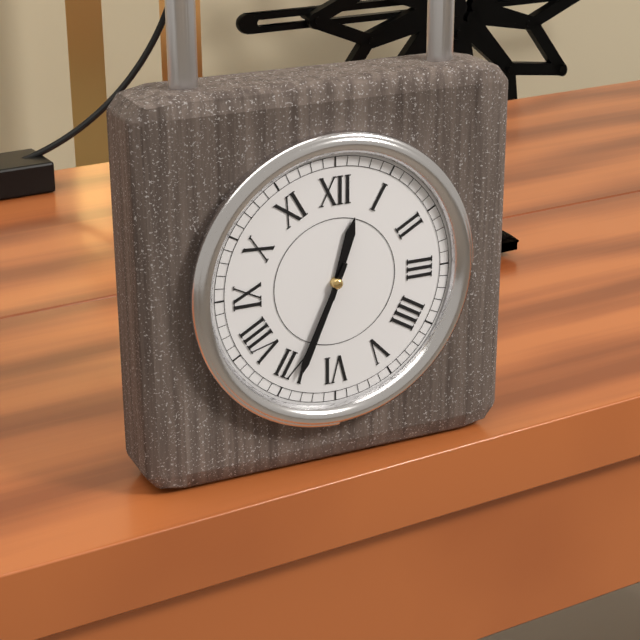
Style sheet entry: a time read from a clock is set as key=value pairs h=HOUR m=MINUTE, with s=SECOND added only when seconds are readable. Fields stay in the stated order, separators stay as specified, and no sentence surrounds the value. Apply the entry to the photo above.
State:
h=12 m=34
